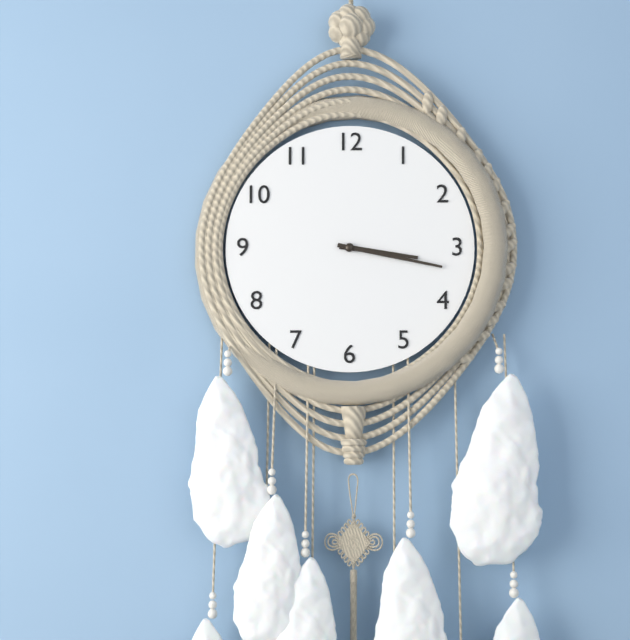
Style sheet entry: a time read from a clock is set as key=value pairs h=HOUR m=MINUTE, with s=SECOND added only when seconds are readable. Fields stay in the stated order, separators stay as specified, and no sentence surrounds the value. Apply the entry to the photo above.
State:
h=3 m=17
